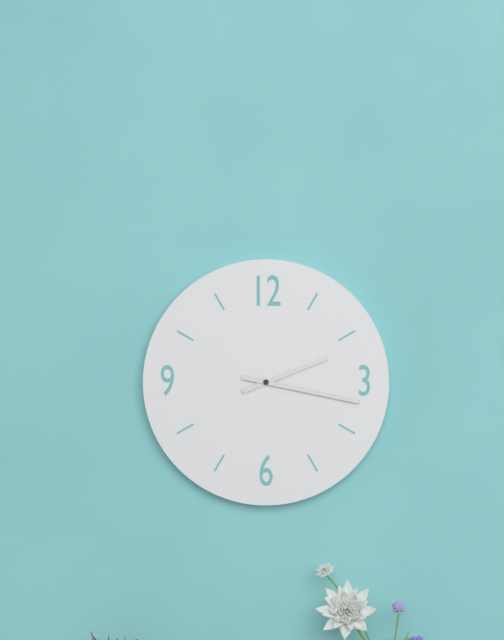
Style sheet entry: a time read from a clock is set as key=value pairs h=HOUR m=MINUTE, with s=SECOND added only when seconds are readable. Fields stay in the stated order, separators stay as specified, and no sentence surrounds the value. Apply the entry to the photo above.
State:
h=2 m=17
